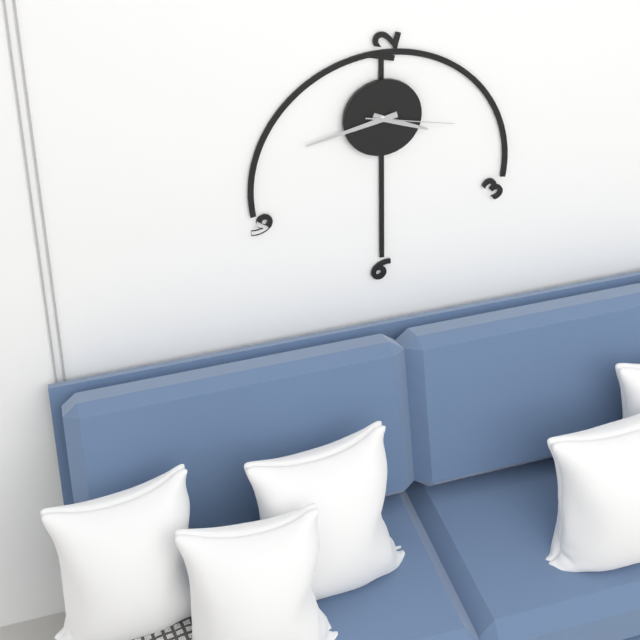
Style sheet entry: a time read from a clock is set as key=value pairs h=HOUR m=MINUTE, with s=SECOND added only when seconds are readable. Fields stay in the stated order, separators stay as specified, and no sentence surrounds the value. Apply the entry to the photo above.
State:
h=3 m=43 s=17
